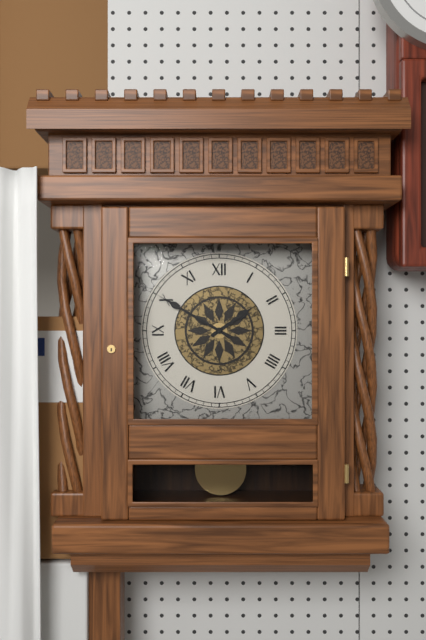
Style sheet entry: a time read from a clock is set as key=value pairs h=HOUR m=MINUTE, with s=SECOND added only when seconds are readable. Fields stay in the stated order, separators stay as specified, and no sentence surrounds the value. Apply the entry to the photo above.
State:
h=1 m=50
